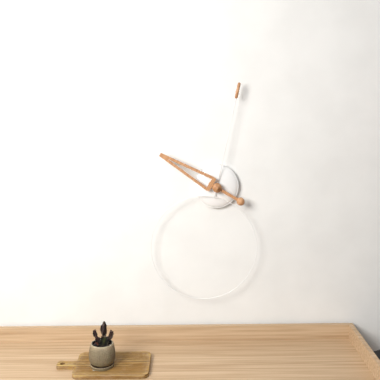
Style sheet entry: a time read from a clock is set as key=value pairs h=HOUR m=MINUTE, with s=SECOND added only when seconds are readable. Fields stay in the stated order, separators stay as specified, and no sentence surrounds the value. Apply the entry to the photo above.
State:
h=10 m=2
